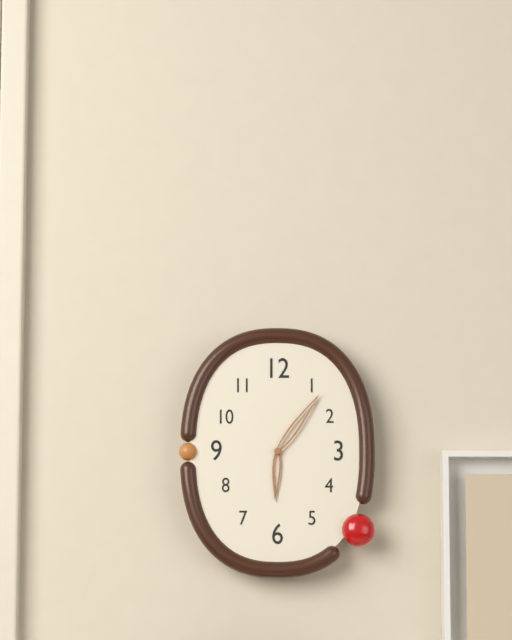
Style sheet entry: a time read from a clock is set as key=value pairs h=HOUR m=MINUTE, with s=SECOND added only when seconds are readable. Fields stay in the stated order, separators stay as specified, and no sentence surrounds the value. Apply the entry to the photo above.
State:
h=6 m=6
